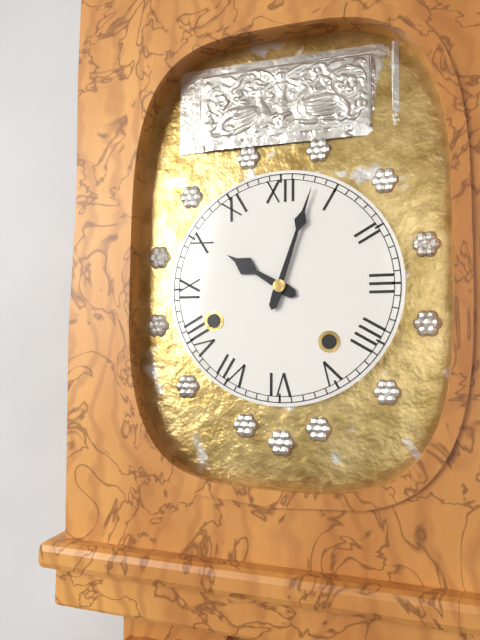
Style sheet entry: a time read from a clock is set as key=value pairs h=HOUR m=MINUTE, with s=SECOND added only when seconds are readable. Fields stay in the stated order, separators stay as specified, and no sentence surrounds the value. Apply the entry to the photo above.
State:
h=10 m=3
